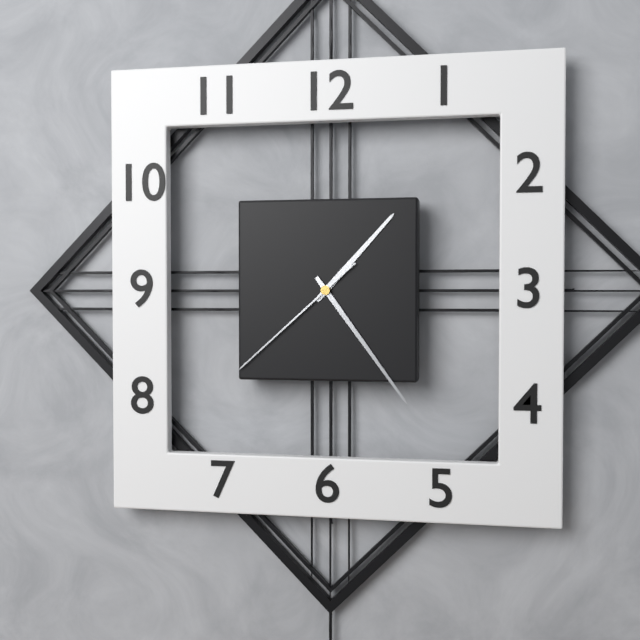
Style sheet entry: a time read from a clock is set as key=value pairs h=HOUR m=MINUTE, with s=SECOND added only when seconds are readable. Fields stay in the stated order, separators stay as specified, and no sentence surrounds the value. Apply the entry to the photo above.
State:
h=1 m=24 s=38
